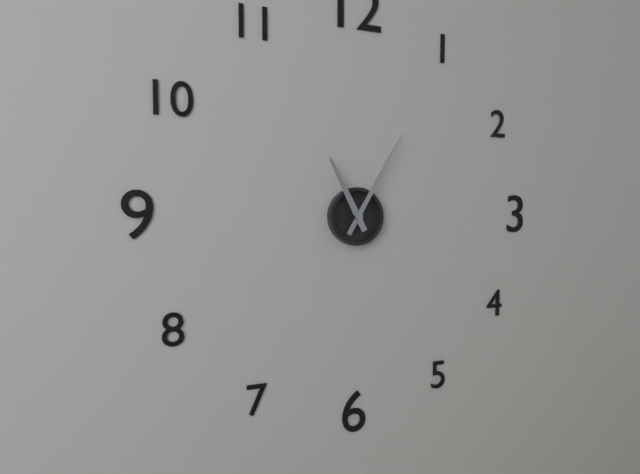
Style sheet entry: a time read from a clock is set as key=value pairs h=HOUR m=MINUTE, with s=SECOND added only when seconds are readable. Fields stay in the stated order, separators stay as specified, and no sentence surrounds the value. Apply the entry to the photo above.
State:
h=11 m=5
